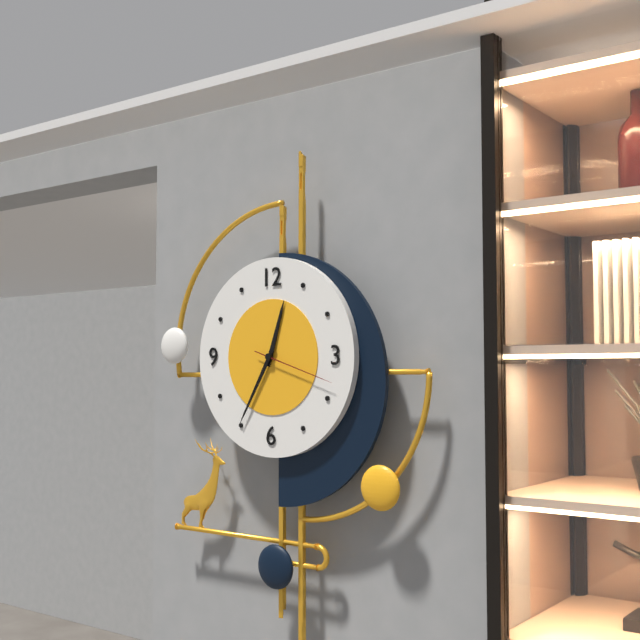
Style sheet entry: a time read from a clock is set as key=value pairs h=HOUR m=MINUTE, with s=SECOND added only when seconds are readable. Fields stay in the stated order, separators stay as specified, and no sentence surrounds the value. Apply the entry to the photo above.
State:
h=12 m=35 s=18
